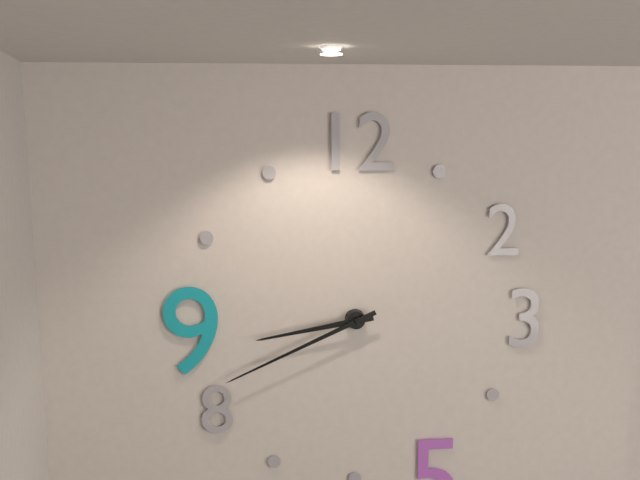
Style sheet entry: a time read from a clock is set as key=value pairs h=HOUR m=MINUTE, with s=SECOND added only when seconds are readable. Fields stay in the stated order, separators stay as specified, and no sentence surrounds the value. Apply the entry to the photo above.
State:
h=8 m=41
